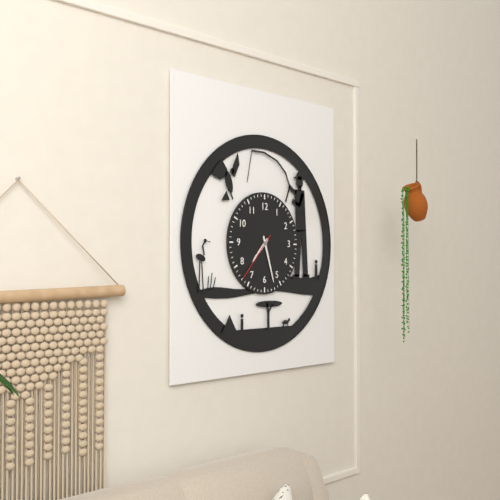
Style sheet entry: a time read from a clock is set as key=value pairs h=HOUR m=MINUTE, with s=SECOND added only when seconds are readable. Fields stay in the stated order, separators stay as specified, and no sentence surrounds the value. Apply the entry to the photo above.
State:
h=7 m=27 s=37
